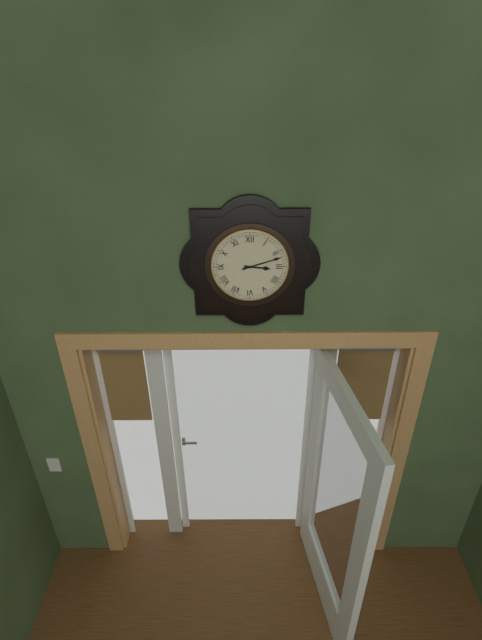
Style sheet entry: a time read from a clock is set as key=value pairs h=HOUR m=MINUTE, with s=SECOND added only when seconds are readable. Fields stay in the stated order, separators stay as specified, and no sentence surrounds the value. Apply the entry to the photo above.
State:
h=3 m=12
